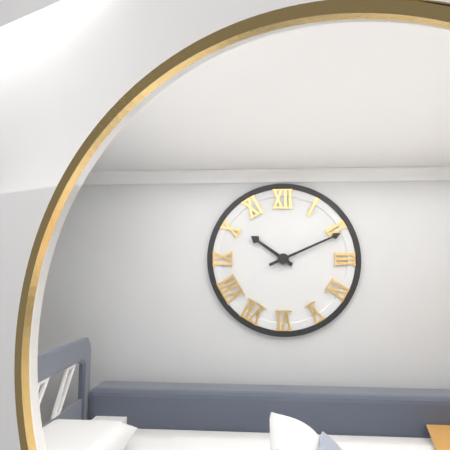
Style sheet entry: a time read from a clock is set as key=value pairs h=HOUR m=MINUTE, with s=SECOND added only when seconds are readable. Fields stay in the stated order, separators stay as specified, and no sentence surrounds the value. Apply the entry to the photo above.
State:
h=10 m=11
